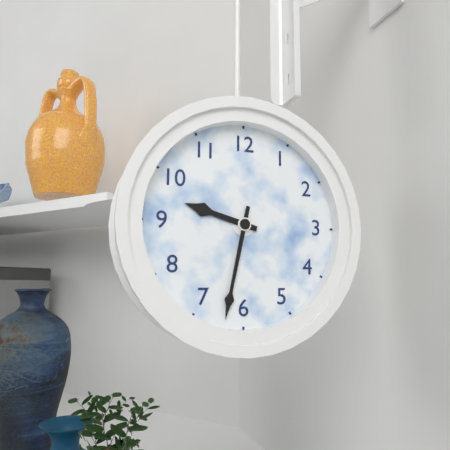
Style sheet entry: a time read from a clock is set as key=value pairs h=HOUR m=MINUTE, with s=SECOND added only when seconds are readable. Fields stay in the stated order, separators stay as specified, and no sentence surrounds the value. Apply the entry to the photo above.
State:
h=9 m=32
